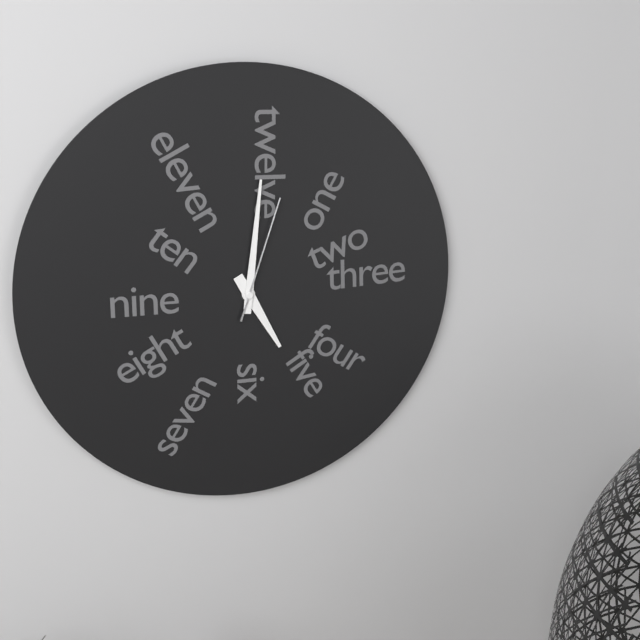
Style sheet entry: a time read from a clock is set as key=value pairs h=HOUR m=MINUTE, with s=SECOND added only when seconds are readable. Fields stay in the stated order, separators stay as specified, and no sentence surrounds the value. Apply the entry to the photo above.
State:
h=5 m=1 s=3
